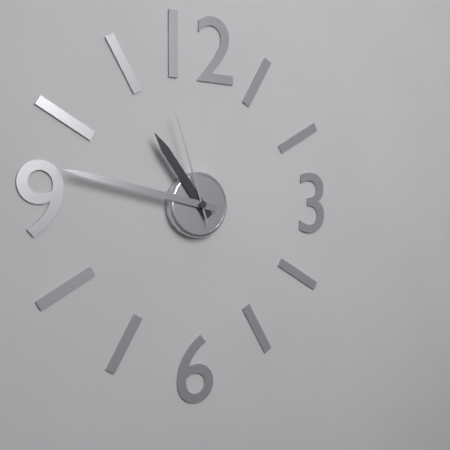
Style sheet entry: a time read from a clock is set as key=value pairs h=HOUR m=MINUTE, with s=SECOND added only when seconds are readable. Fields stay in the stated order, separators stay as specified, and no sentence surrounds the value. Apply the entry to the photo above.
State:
h=10 m=47 s=57
